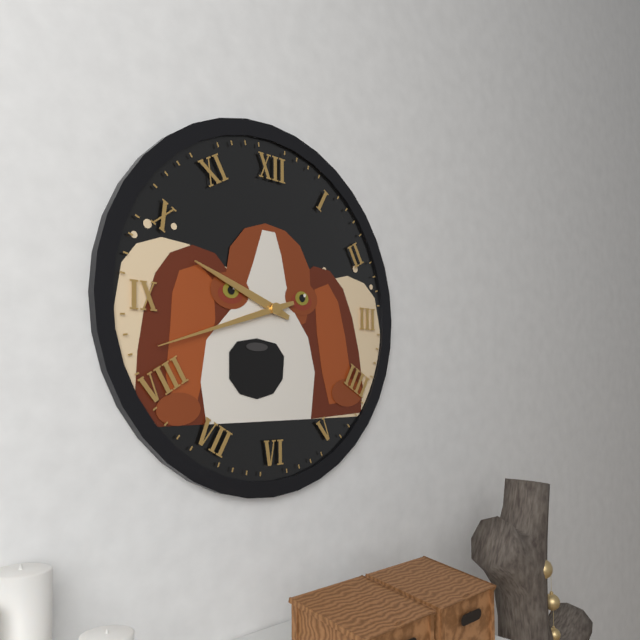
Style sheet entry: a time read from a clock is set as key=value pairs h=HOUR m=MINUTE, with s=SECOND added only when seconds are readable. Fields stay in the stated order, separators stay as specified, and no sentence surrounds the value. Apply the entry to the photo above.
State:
h=9 m=42
